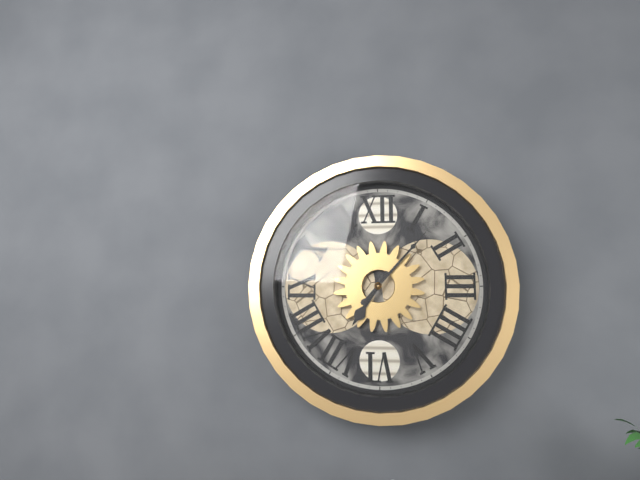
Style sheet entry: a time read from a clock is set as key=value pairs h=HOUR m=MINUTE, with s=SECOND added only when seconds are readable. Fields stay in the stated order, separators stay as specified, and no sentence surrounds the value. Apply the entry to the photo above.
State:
h=7 m=7
